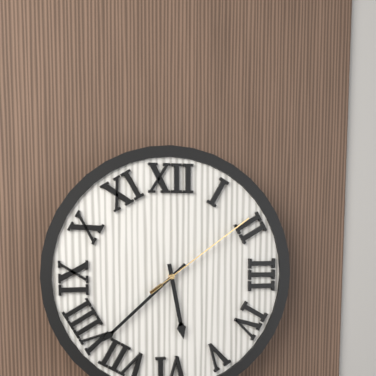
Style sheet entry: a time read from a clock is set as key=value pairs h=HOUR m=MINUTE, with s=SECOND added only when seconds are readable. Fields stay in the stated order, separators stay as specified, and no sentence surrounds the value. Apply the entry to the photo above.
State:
h=5 m=38 s=9
